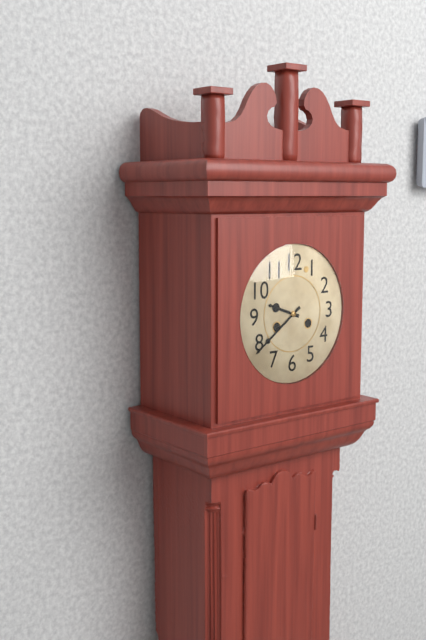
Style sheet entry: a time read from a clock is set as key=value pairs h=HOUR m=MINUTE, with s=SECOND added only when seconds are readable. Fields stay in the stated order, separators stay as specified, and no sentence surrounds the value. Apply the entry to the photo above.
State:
h=9 m=39
